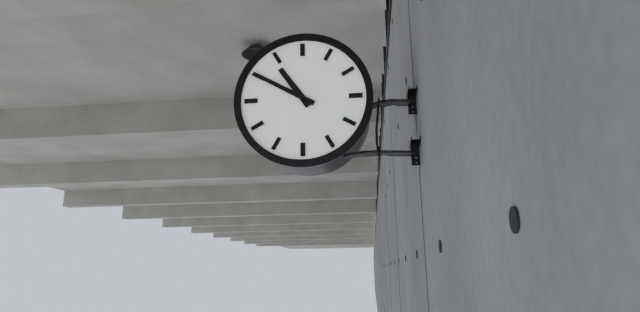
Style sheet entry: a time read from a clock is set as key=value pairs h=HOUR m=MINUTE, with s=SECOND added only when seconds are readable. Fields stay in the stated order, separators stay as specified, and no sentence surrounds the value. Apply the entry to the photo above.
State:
h=10 m=50
